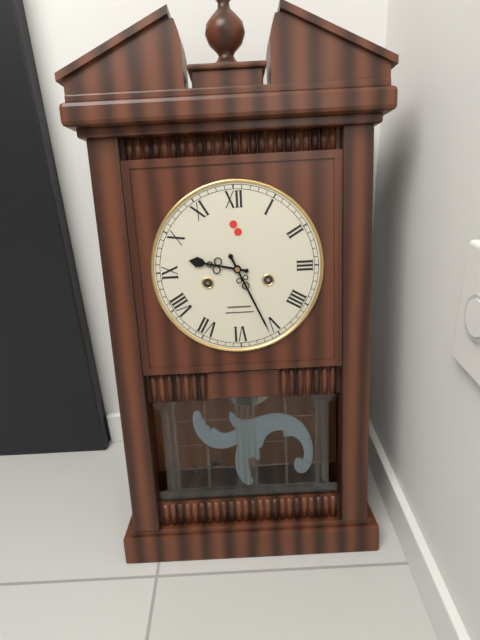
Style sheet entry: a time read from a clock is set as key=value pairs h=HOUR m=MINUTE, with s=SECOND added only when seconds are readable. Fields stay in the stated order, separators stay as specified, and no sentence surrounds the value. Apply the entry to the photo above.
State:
h=9 m=26
